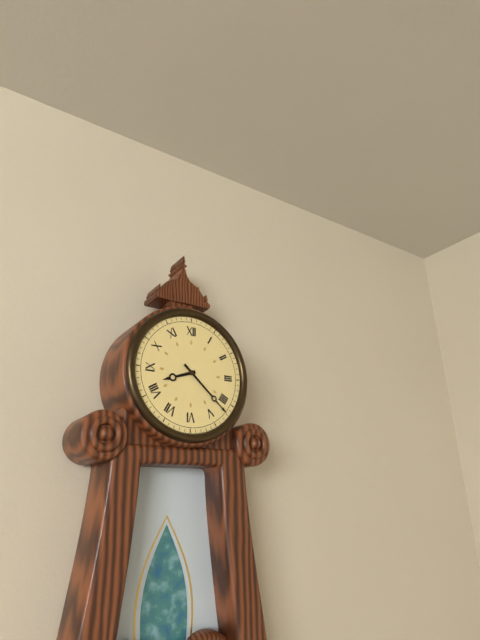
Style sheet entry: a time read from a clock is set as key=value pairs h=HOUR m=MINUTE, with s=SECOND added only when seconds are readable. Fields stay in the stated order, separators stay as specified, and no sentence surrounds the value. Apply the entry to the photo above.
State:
h=8 m=22
